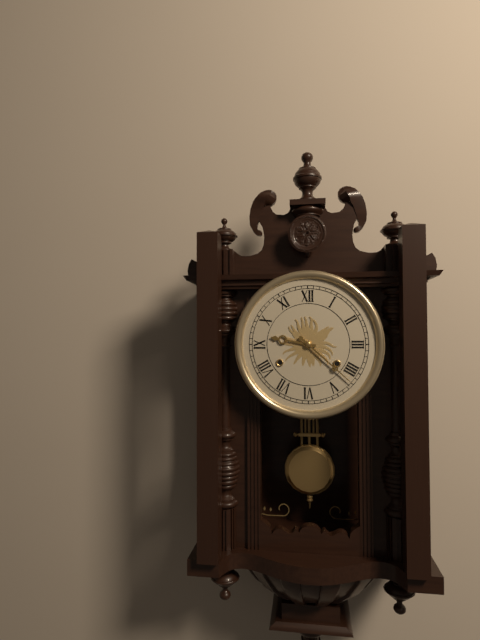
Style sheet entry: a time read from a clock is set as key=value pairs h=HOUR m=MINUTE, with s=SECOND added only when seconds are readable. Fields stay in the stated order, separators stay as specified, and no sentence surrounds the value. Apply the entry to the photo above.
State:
h=9 m=22
